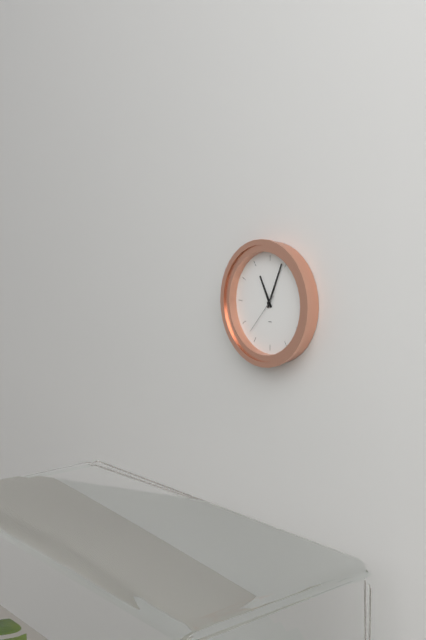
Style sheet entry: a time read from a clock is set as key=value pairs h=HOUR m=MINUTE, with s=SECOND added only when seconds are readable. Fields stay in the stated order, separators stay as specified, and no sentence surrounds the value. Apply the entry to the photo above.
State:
h=11 m=4
